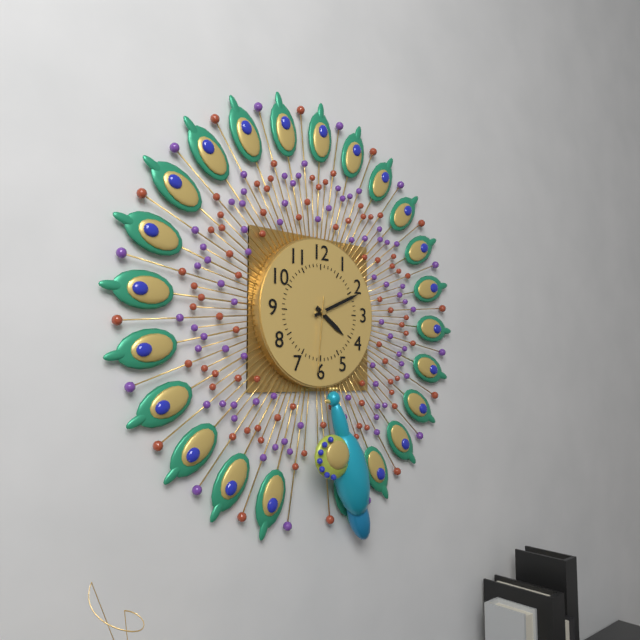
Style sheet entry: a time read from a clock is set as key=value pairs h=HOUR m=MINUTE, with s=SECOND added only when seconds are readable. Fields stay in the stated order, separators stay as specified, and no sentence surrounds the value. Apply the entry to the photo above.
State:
h=4 m=11 s=31
